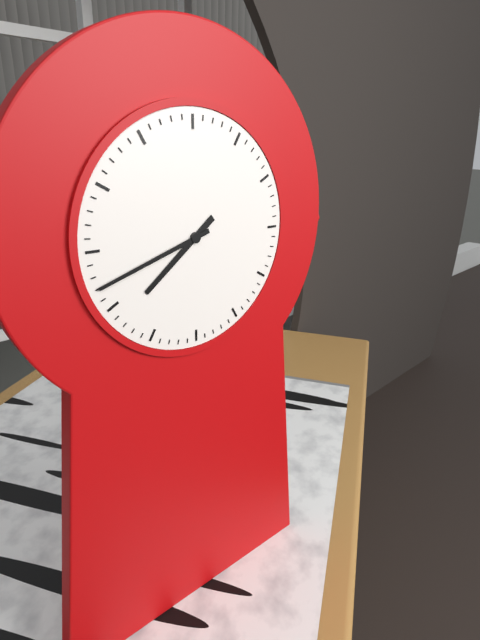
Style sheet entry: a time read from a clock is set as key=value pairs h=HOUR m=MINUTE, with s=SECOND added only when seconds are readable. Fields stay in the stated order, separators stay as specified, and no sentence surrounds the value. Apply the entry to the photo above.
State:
h=7 m=42
